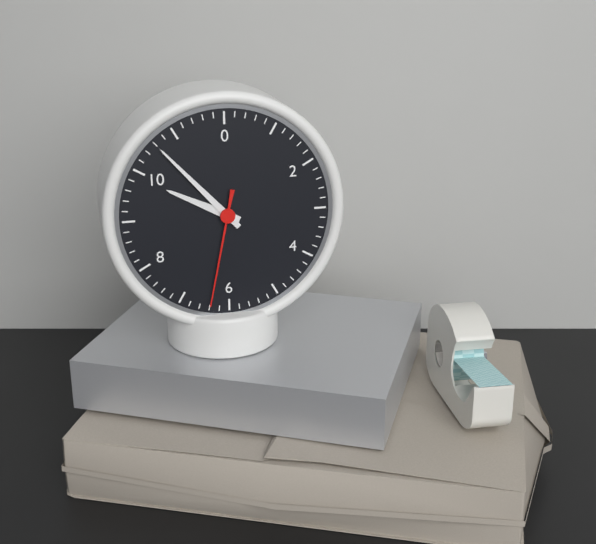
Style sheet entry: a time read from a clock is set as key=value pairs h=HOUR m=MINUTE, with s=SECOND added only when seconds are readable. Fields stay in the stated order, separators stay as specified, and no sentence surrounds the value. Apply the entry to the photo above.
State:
h=9 m=53 s=32
